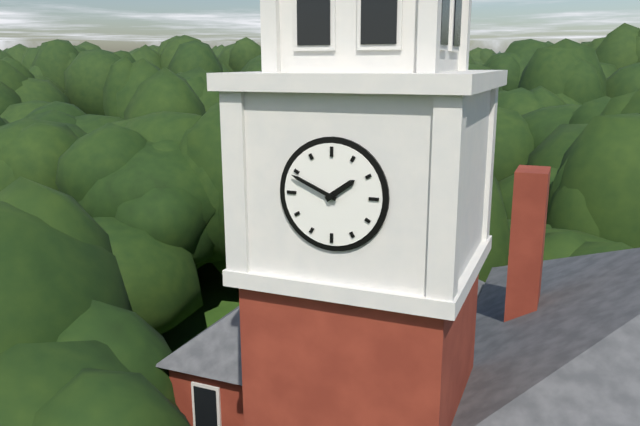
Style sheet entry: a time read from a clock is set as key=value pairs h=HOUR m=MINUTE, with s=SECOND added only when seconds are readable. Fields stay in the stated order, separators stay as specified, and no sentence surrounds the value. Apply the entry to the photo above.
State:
h=1 m=49
